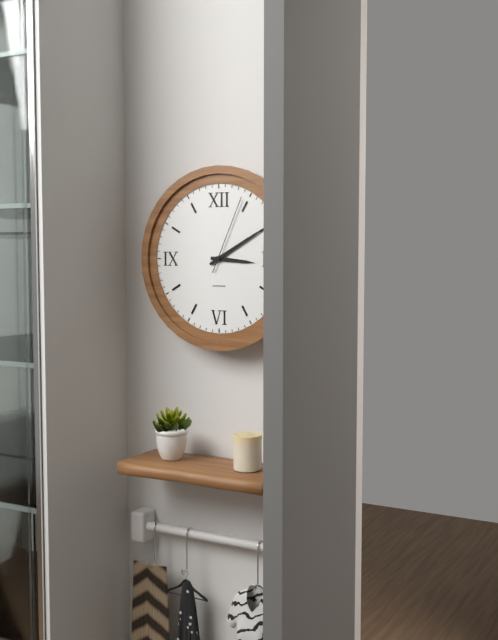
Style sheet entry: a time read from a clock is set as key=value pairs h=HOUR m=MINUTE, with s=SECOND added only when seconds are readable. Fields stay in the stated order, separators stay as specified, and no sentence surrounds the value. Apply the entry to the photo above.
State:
h=3 m=10 s=4
